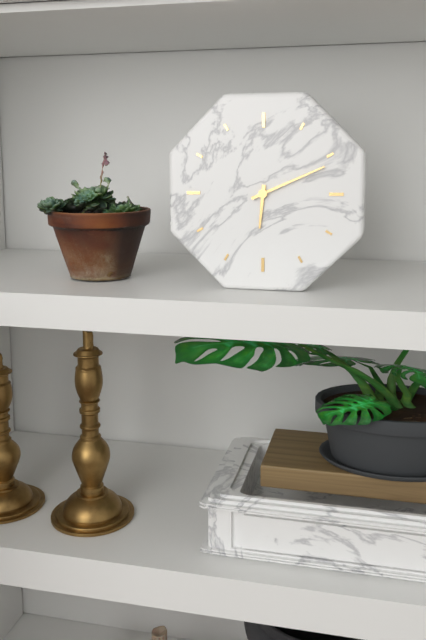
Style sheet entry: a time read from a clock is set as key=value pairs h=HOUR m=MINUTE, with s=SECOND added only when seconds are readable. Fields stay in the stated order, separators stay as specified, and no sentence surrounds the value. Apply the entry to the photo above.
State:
h=6 m=11
